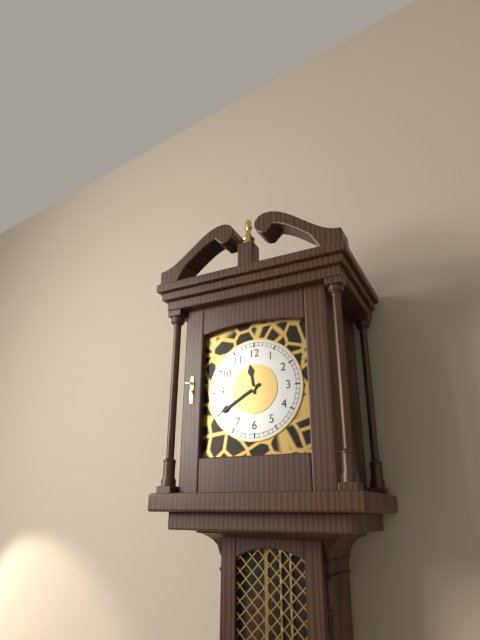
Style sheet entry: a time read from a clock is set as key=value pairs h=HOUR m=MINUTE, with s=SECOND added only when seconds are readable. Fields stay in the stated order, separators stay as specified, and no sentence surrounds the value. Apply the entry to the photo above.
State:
h=11 m=40
